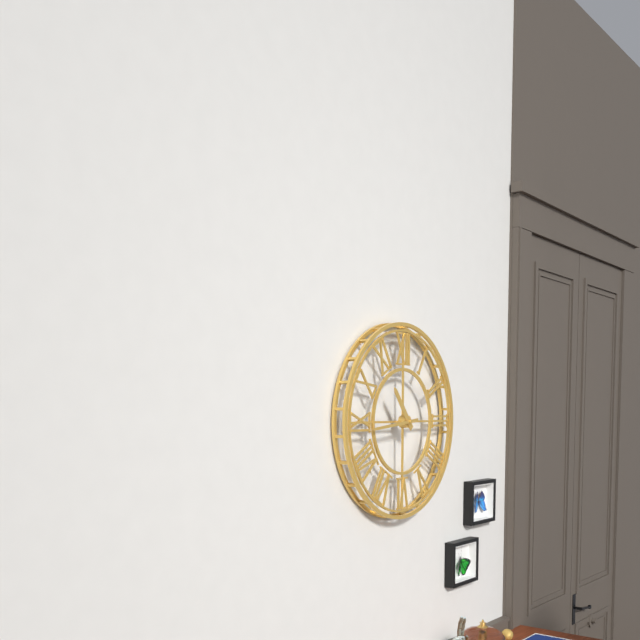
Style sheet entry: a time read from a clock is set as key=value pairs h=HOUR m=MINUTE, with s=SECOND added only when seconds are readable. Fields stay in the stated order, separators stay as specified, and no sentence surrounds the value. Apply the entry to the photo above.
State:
h=10 m=44
